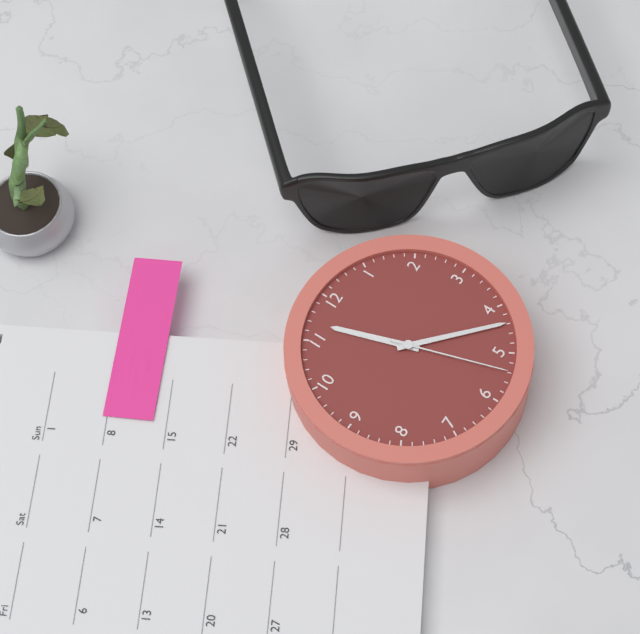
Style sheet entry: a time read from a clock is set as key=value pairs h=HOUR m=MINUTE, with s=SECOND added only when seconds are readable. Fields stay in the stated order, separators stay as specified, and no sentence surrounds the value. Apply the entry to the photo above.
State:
h=11 m=22 s=27
